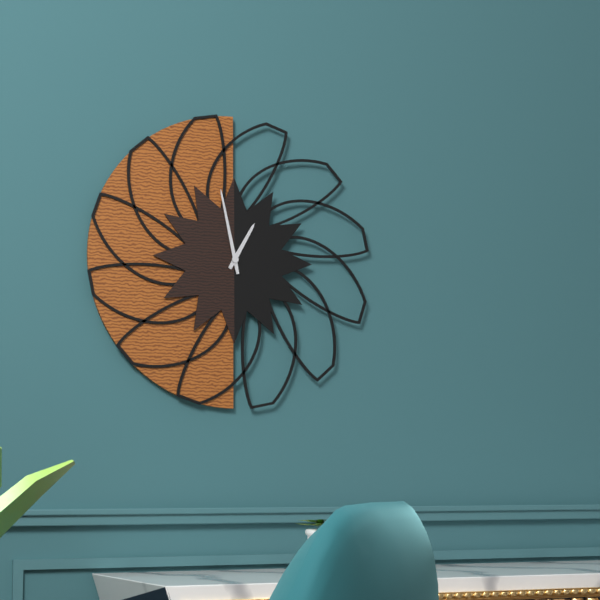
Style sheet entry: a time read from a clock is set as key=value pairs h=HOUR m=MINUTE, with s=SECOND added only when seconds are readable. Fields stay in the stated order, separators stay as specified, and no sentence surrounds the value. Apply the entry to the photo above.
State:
h=12 m=58
